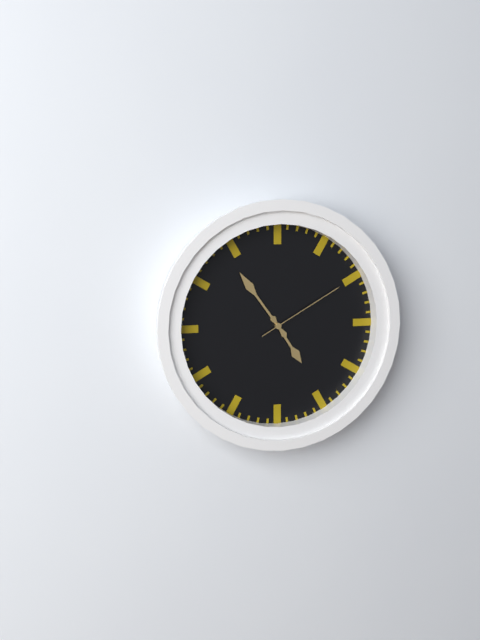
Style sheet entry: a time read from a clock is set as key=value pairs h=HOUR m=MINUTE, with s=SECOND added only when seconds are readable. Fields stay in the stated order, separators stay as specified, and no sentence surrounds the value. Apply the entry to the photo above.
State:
h=4 m=54 s=10
